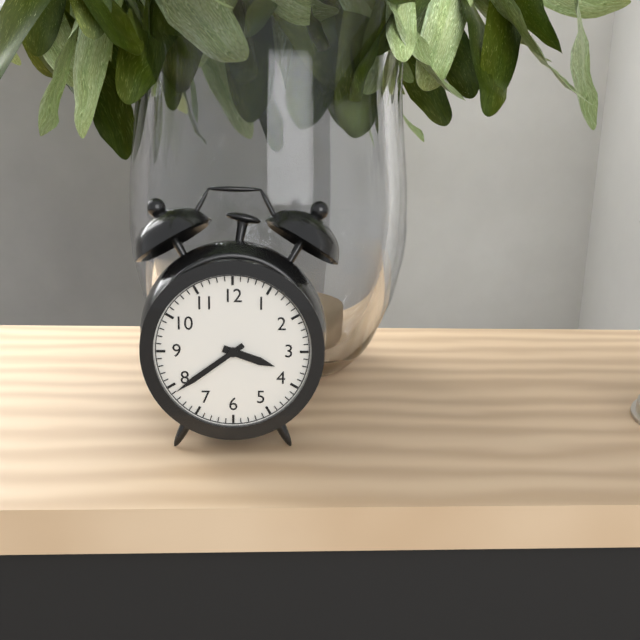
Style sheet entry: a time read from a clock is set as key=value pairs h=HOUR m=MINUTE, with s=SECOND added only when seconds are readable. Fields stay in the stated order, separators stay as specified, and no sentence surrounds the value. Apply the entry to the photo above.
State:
h=3 m=39
